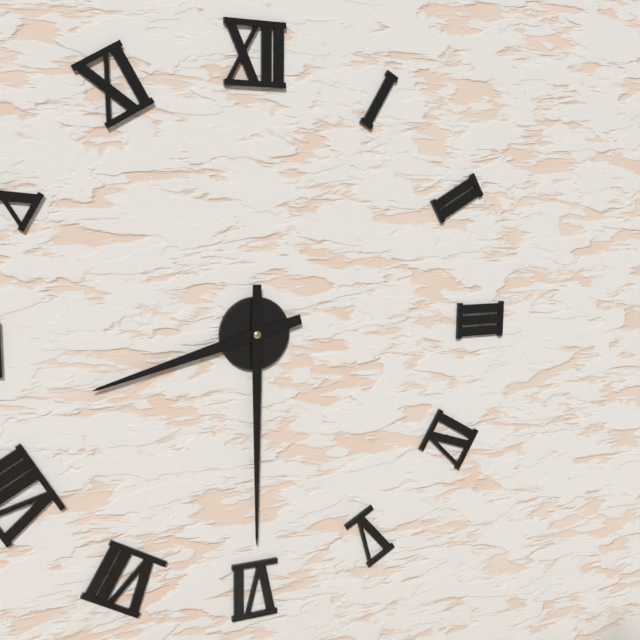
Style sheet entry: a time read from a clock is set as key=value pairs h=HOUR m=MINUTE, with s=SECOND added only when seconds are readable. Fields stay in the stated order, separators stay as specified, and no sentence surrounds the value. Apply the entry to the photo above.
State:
h=8 m=30
